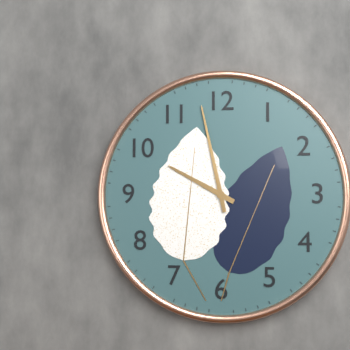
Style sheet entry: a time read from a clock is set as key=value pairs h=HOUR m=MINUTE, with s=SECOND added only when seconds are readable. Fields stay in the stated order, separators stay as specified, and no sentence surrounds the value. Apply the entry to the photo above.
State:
h=9 m=58
